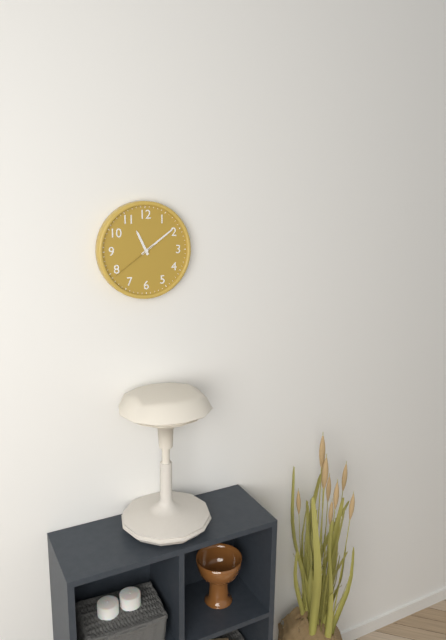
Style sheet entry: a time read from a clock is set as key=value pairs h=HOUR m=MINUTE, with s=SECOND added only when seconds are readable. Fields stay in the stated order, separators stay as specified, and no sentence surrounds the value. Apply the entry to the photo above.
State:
h=11 m=9 s=39
